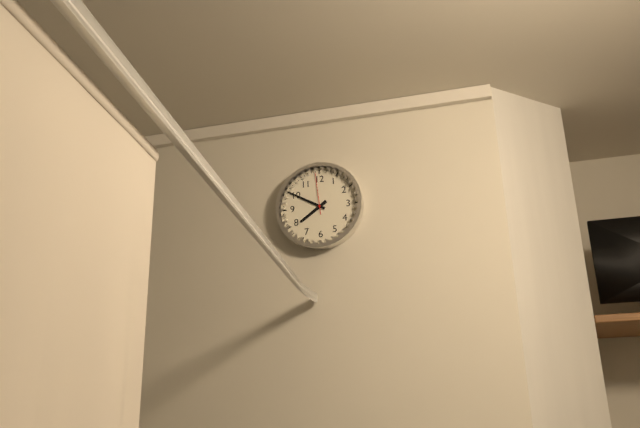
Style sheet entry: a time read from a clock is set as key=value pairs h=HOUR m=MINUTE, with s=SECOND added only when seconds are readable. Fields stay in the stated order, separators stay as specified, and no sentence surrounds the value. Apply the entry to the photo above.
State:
h=7 m=50
